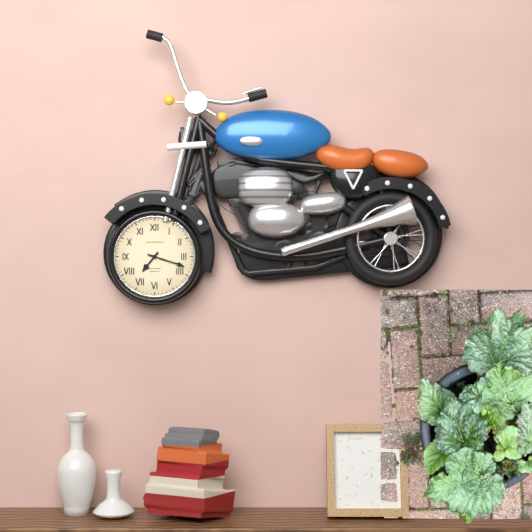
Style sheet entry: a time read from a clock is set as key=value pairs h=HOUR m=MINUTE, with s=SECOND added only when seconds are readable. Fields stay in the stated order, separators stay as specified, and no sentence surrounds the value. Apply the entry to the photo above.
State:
h=7 m=18
